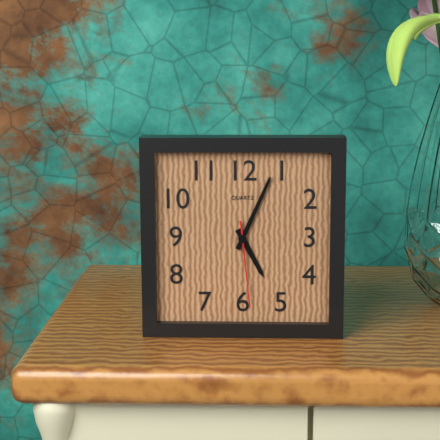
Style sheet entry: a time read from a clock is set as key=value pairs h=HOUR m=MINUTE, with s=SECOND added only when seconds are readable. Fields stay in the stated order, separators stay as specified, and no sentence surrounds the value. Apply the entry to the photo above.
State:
h=5 m=4 s=29
